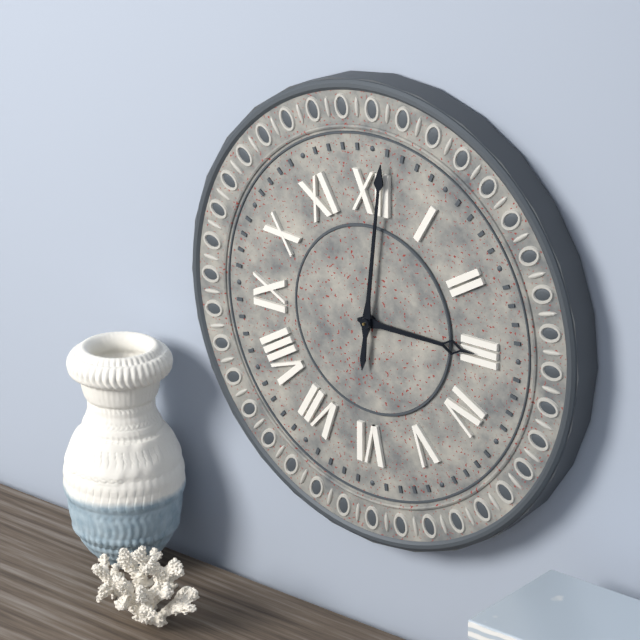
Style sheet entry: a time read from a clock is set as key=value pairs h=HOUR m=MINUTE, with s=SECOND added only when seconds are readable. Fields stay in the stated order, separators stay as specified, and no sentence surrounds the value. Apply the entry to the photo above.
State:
h=3 m=1
